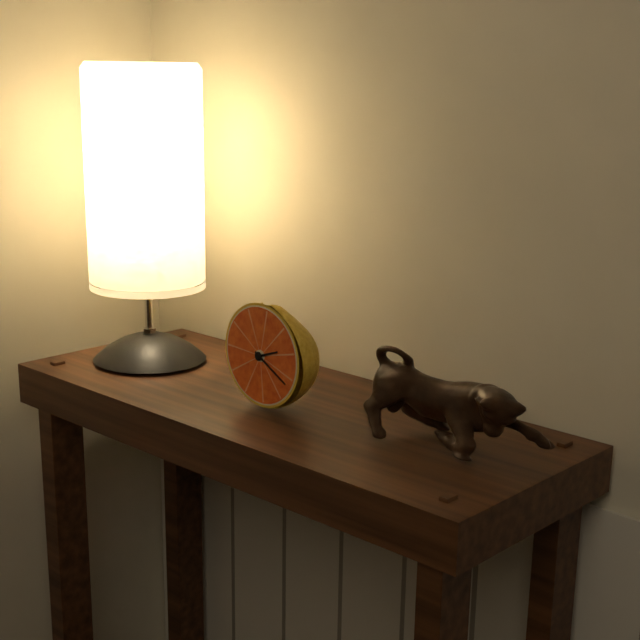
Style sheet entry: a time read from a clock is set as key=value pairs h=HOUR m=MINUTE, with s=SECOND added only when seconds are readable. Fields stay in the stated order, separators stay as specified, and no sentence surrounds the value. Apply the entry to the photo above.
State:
h=2 m=20
